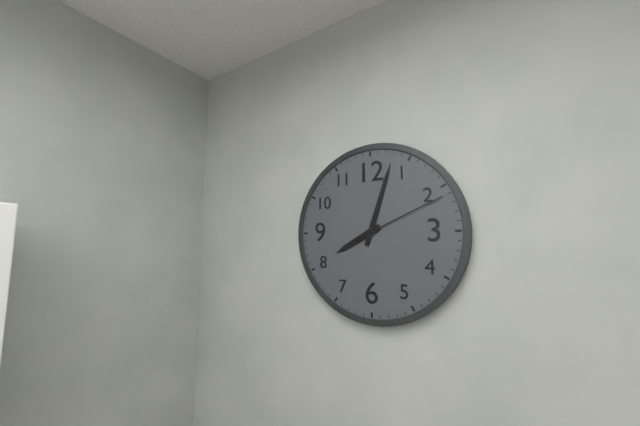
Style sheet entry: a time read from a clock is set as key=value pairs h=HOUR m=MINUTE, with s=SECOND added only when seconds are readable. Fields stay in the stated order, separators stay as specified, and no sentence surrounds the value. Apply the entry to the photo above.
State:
h=8 m=3 s=11
